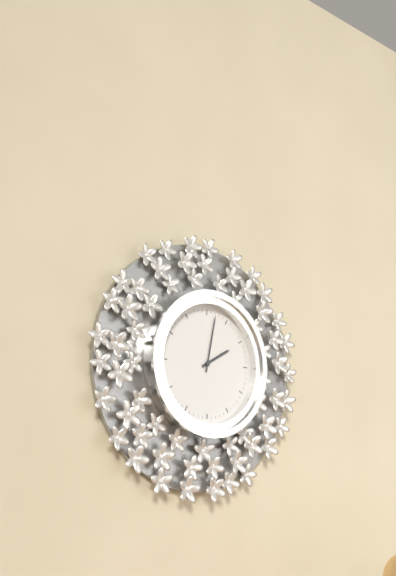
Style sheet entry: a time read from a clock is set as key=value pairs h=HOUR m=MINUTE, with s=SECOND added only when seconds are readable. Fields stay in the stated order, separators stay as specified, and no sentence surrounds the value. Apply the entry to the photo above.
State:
h=2 m=2
